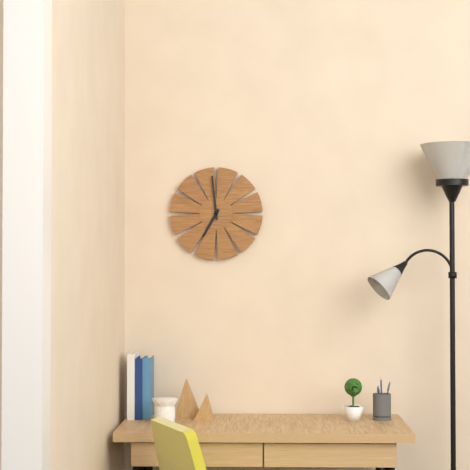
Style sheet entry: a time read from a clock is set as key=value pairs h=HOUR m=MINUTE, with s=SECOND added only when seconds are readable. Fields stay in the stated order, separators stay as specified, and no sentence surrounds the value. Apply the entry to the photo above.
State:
h=6 m=59
